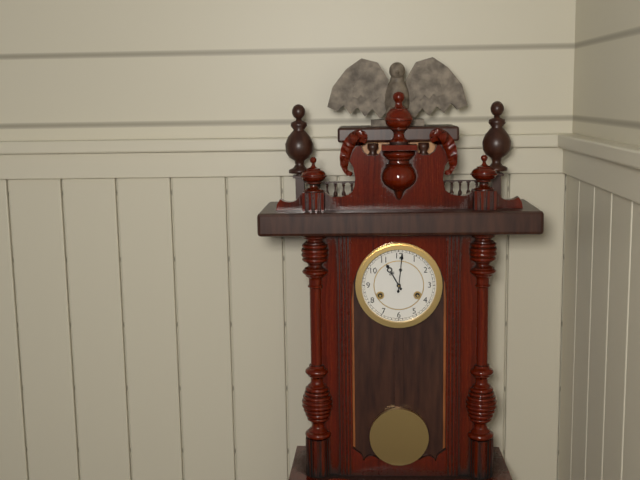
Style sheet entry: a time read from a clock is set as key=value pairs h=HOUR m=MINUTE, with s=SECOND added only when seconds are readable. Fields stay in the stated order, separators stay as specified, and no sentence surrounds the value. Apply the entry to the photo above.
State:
h=11 m=1
